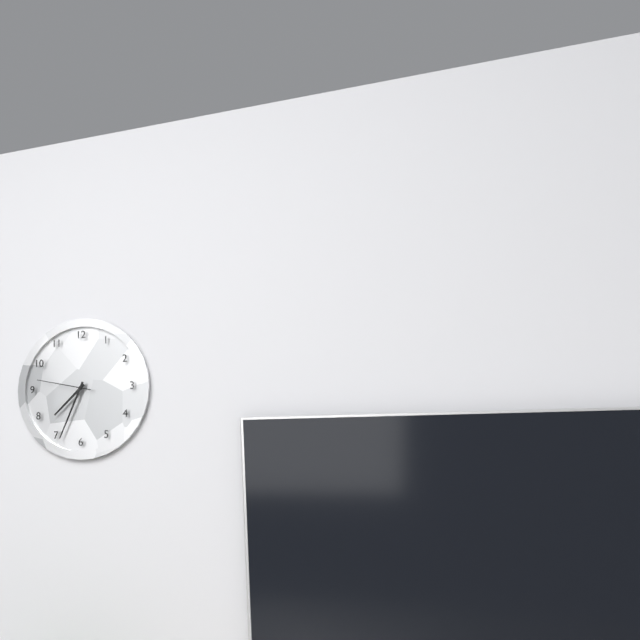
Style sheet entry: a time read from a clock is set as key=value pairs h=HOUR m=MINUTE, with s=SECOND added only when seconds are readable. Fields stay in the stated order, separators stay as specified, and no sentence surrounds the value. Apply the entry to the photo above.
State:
h=7 m=34 s=47
